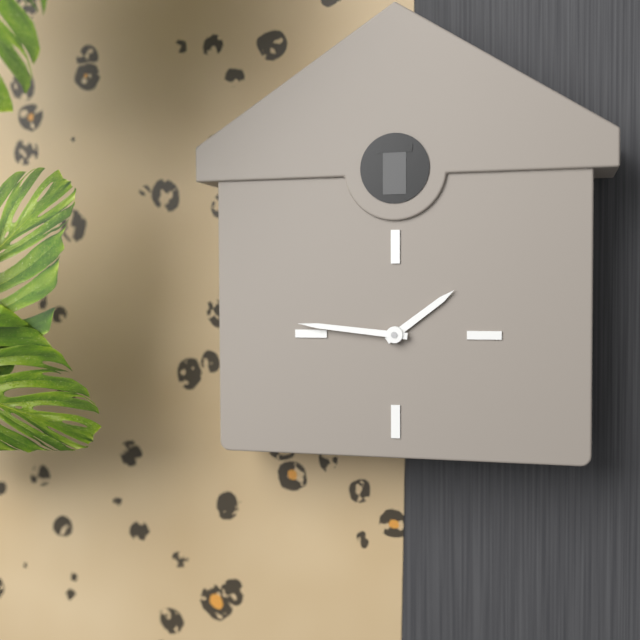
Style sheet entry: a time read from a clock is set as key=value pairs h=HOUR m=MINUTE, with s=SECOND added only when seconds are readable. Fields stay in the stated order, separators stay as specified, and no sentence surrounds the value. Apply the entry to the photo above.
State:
h=1 m=46
